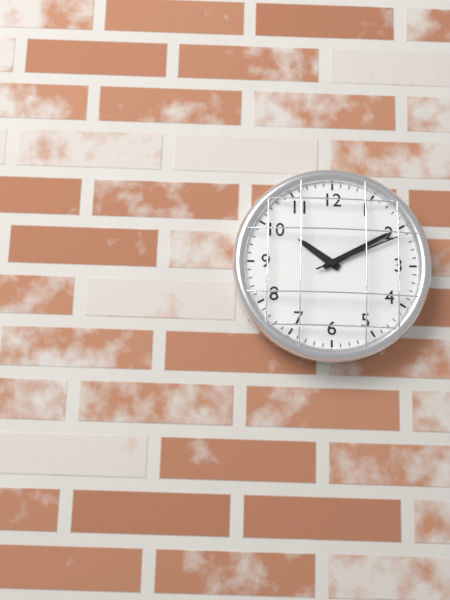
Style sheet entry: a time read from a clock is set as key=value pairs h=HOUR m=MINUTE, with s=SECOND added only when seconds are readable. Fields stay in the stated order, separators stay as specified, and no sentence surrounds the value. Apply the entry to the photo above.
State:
h=10 m=10 s=11
